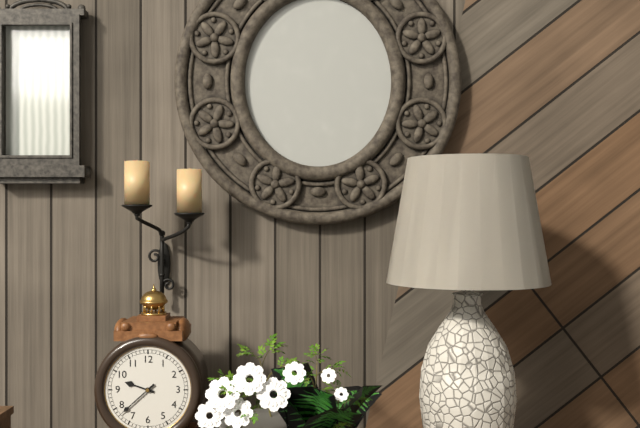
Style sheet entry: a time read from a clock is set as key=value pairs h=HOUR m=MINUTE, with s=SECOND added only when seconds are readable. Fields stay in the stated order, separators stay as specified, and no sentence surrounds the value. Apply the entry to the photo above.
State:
h=9 m=38
